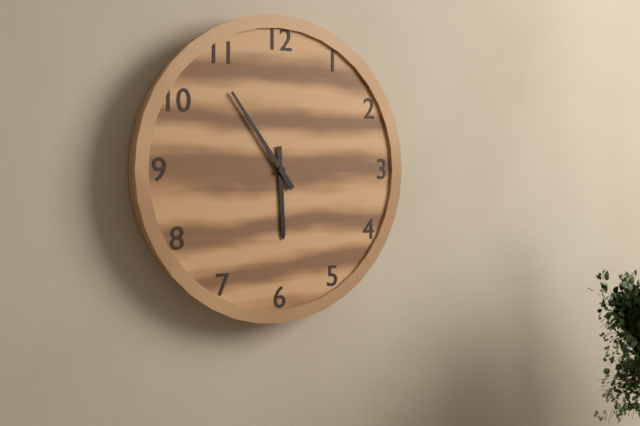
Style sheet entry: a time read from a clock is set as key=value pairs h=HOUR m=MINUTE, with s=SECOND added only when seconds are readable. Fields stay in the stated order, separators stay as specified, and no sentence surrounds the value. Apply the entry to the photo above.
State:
h=5 m=54
